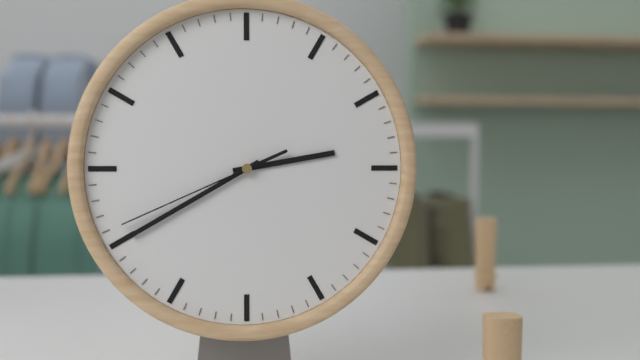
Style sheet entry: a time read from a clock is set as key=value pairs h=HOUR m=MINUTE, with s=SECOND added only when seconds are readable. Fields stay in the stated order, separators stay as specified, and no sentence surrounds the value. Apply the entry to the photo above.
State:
h=2 m=40 s=41
